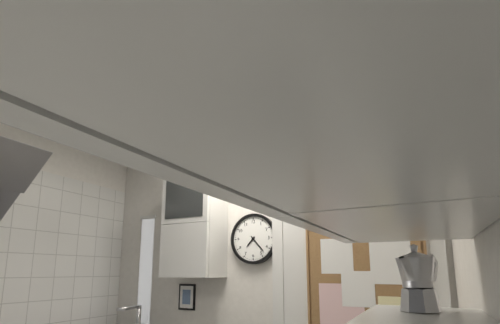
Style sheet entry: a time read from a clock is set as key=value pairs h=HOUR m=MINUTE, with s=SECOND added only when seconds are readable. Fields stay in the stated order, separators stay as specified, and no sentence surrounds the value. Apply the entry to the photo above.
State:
h=7 m=23
